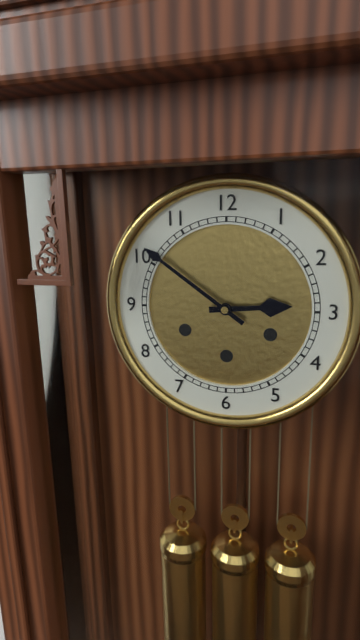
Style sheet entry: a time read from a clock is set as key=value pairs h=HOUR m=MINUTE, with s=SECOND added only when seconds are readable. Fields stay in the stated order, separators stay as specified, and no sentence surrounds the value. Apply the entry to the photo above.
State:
h=2 m=51
